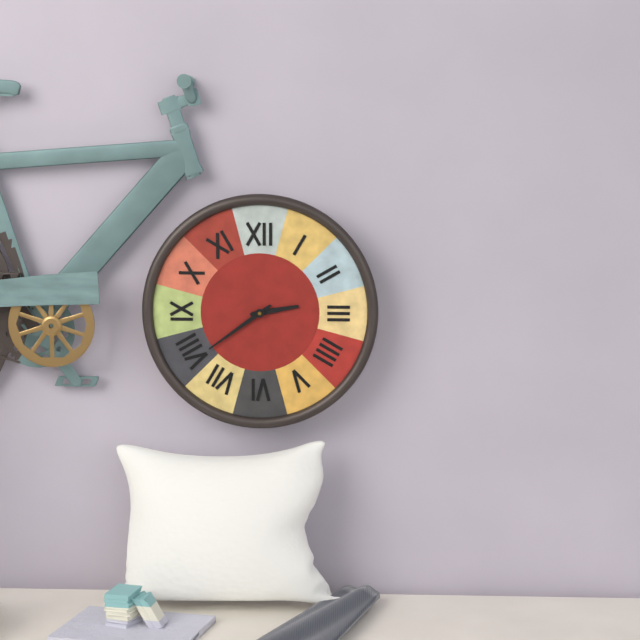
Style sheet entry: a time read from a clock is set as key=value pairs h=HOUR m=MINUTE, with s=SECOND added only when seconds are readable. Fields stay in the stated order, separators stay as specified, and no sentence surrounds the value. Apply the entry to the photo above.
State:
h=2 m=39
